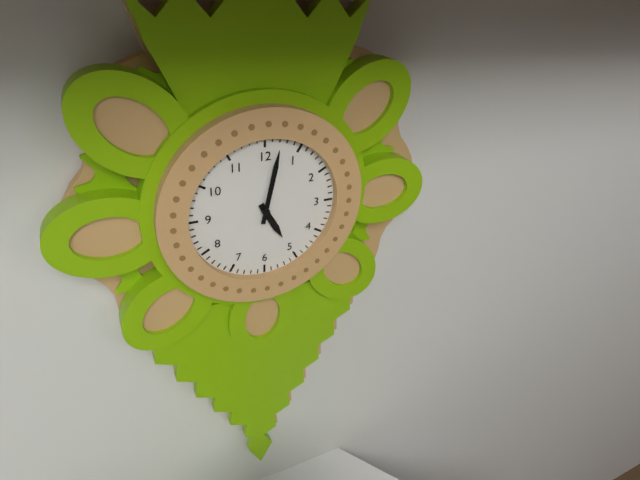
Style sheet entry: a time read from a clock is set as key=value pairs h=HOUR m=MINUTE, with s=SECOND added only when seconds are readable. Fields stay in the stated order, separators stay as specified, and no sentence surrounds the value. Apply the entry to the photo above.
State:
h=5 m=2
